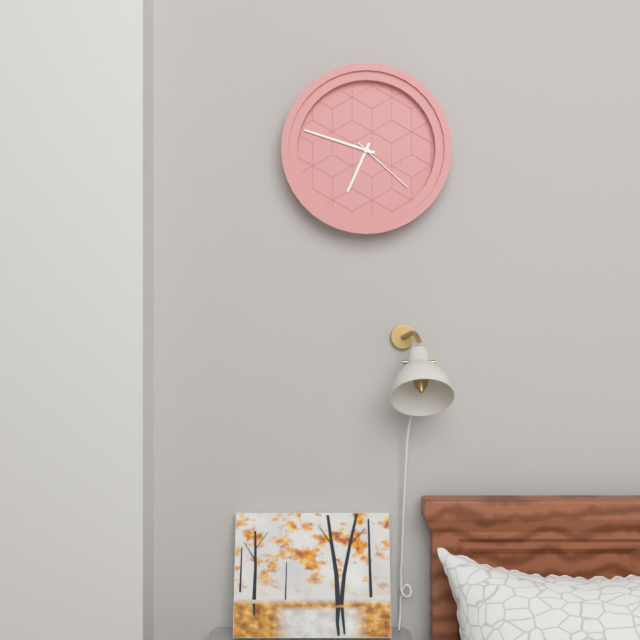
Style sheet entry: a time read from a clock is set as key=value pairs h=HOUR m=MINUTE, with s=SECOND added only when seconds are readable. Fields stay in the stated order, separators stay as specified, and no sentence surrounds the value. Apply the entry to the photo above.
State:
h=6 m=48 s=22
